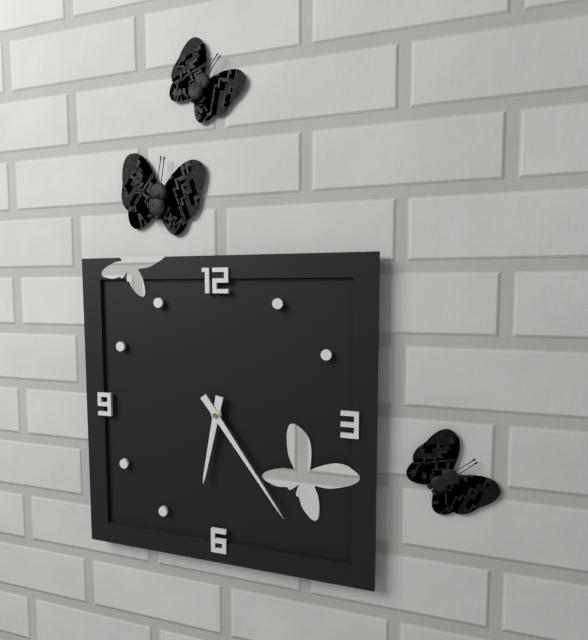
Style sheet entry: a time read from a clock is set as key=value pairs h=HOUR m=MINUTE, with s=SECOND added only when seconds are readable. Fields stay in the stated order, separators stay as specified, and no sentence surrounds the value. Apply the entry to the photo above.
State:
h=6 m=24
